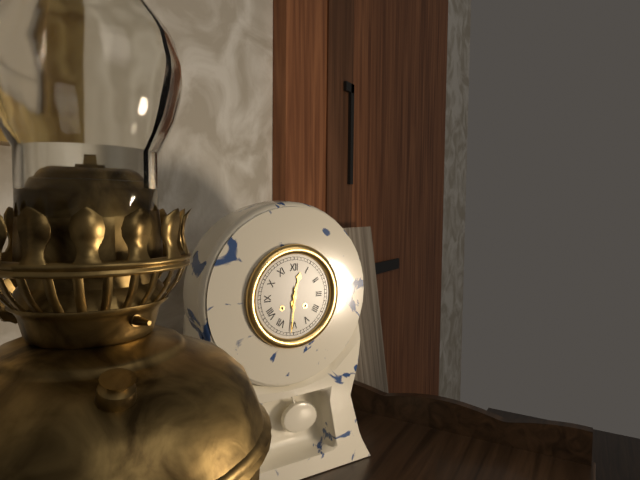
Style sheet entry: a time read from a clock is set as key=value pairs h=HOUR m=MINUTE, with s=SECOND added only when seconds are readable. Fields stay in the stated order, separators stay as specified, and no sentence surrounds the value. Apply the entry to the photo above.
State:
h=12 m=31
